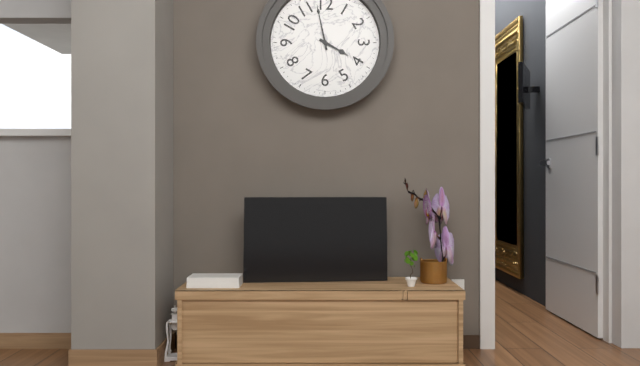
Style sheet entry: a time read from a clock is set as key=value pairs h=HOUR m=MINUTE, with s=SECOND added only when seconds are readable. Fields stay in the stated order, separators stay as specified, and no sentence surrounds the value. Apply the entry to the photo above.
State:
h=3 m=58
